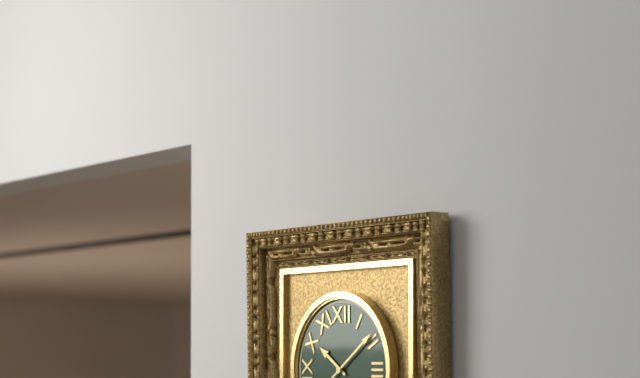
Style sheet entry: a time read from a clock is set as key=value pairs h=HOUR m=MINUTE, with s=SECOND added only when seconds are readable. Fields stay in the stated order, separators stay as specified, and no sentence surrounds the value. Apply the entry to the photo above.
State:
h=10 m=9
